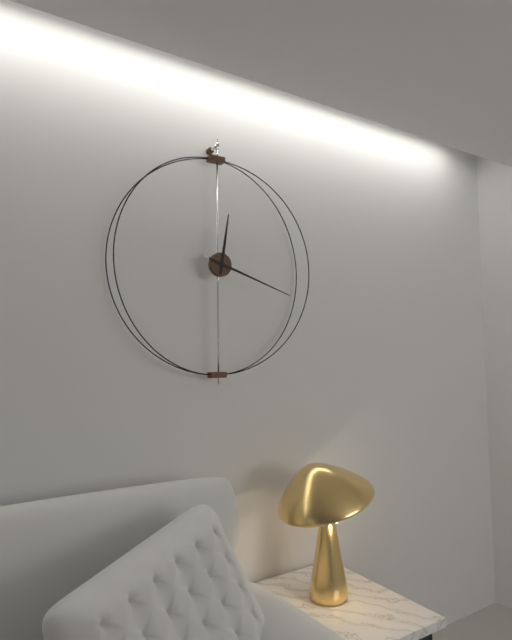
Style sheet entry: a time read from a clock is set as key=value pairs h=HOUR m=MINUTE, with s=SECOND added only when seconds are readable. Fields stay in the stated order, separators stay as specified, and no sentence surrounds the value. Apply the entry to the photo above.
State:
h=12 m=18
